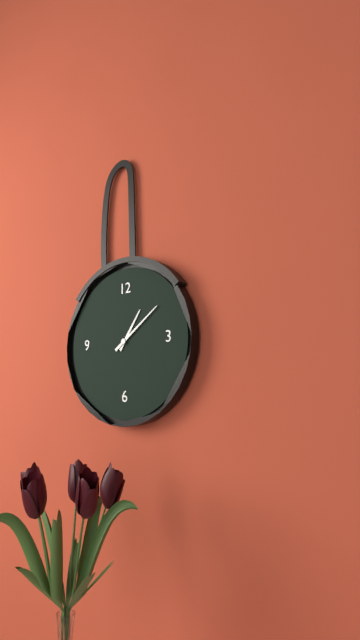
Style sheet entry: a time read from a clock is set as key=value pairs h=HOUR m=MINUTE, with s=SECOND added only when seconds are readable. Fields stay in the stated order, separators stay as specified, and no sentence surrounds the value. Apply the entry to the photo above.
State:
h=1 m=9
